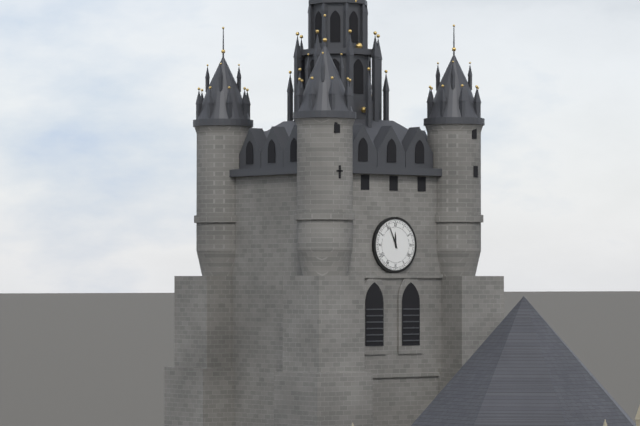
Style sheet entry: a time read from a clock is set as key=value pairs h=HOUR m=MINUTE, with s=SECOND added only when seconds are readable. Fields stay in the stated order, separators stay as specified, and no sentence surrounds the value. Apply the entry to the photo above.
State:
h=11 m=56
